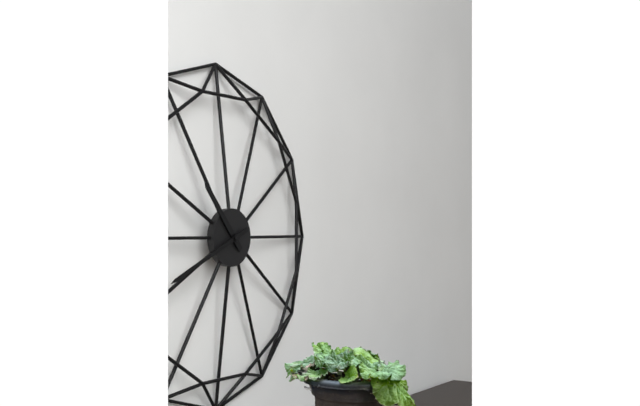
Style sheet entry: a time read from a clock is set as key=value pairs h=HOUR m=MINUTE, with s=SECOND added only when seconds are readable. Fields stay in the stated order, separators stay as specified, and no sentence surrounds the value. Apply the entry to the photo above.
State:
h=10 m=41
